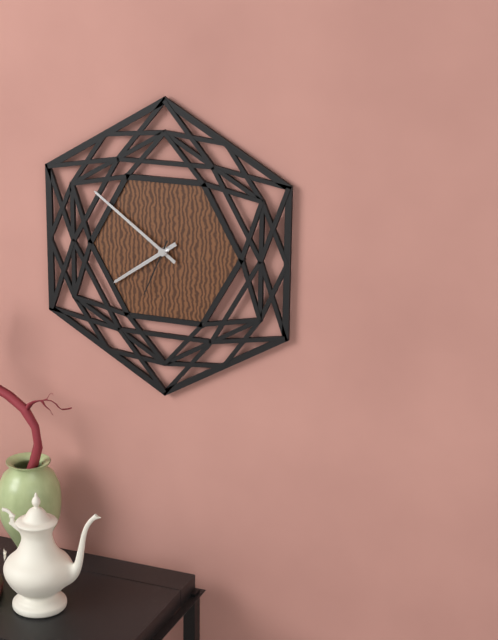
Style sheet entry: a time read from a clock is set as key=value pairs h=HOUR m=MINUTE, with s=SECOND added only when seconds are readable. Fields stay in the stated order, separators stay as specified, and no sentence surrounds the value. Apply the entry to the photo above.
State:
h=7 m=51 s=34
